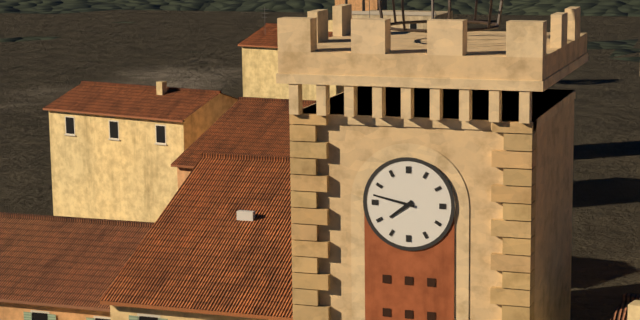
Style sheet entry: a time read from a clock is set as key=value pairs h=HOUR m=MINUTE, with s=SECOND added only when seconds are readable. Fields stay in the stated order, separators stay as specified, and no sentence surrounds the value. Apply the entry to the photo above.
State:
h=7 m=47
